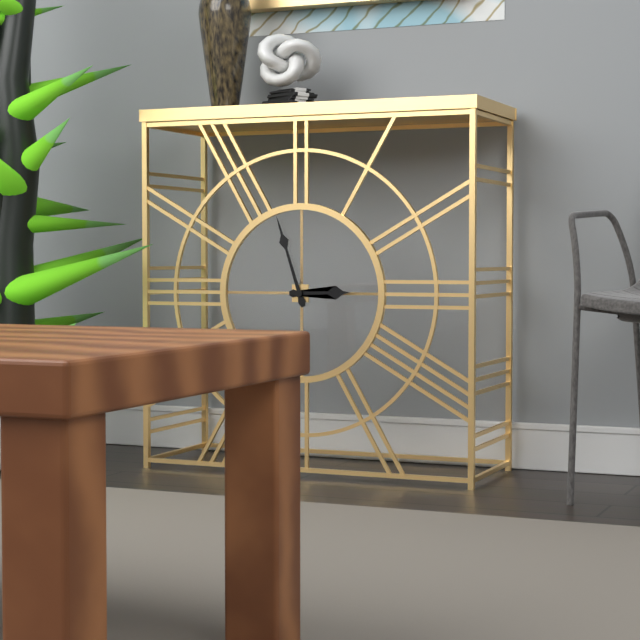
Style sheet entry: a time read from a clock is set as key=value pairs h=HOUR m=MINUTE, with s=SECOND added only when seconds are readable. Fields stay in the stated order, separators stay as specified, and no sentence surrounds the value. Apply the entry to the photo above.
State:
h=2 m=57
